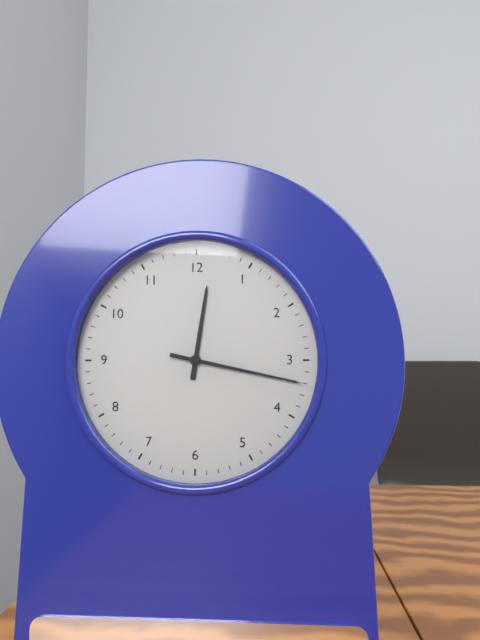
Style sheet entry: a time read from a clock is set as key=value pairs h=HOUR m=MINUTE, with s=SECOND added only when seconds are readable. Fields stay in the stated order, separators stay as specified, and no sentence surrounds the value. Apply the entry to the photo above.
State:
h=12 m=17
